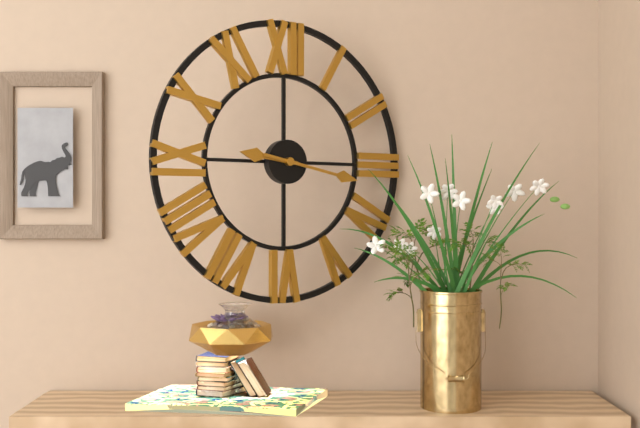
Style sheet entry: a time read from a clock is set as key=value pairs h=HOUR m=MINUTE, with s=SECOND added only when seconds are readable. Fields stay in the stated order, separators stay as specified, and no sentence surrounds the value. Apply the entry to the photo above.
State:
h=9 m=17
